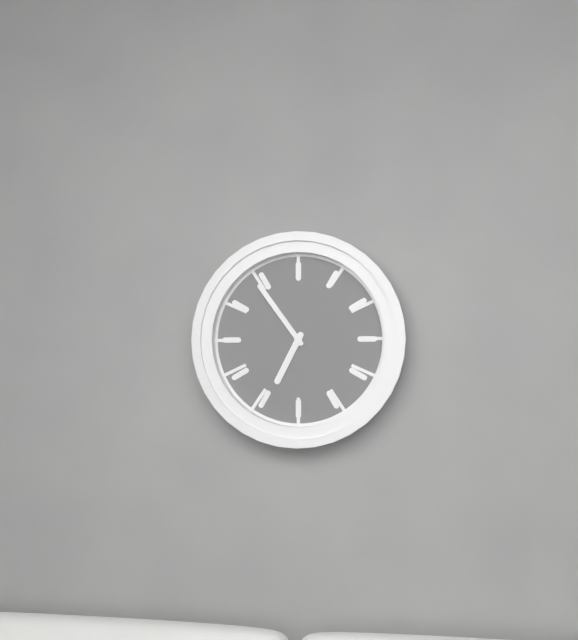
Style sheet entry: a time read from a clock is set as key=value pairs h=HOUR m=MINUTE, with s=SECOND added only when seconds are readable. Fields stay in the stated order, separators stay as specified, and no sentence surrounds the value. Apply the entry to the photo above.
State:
h=6 m=54
